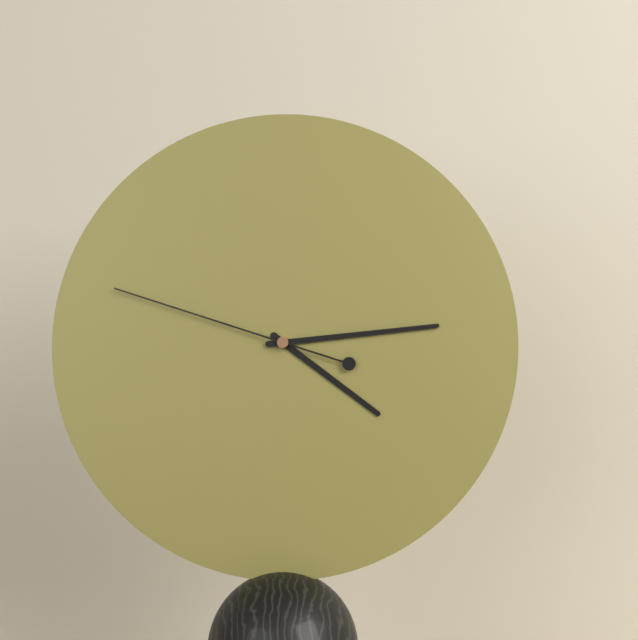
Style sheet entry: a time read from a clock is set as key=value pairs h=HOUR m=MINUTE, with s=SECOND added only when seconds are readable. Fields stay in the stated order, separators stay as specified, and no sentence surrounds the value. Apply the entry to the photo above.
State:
h=4 m=14 s=48
